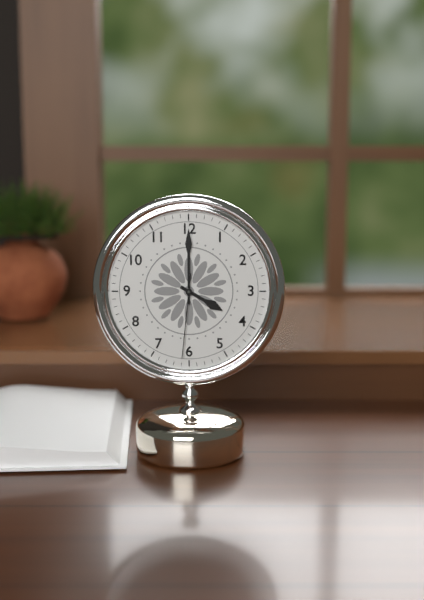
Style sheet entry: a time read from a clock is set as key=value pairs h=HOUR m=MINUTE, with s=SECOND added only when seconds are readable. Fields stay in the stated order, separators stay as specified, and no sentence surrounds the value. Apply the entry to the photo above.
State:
h=4 m=0 s=31
